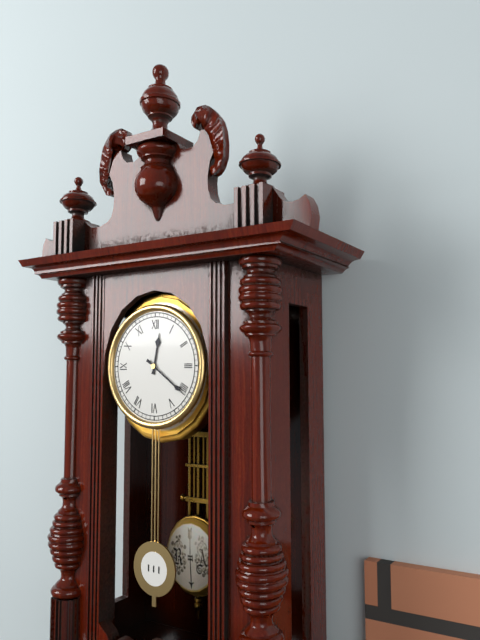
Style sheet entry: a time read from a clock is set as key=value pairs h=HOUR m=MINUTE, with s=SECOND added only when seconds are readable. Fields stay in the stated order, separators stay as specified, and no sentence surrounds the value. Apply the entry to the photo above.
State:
h=12 m=21
